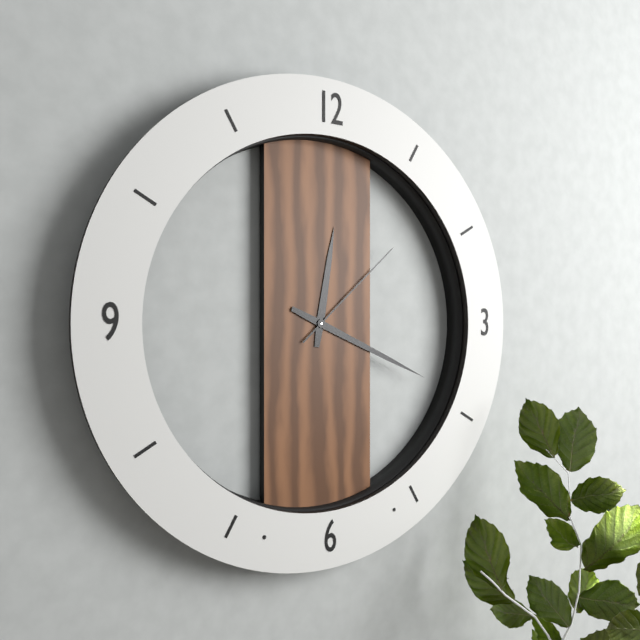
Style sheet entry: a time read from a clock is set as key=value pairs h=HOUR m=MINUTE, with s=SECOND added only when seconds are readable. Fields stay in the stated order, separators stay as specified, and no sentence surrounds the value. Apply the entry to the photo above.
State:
h=12 m=19 s=8
